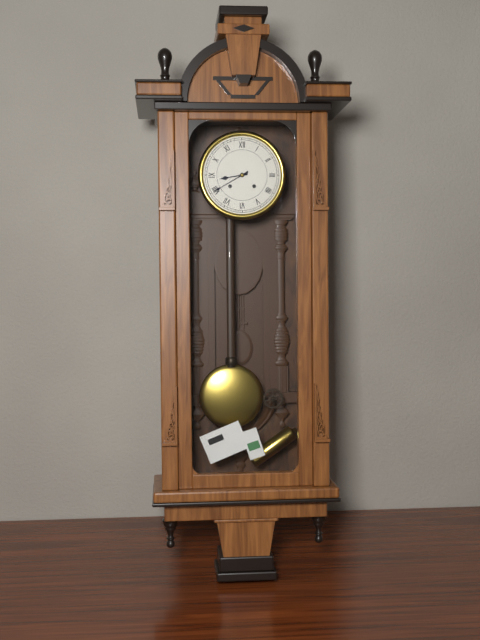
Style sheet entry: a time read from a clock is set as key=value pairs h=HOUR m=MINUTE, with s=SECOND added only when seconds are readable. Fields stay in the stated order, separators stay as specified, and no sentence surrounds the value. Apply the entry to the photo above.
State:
h=8 m=40
